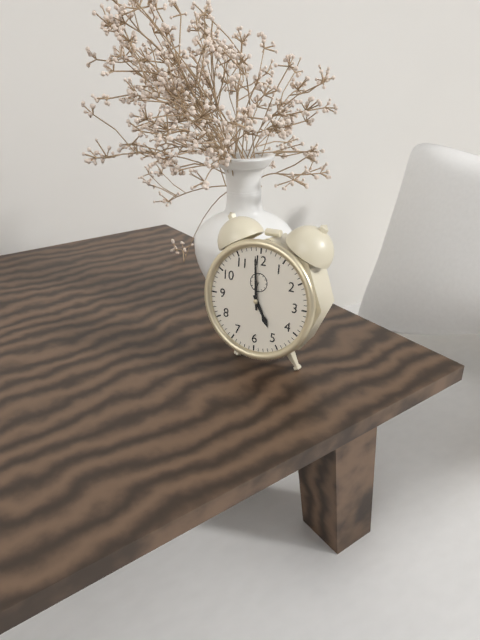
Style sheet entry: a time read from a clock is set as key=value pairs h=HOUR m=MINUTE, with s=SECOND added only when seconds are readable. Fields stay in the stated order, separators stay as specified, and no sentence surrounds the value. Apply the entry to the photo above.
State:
h=4 m=59
